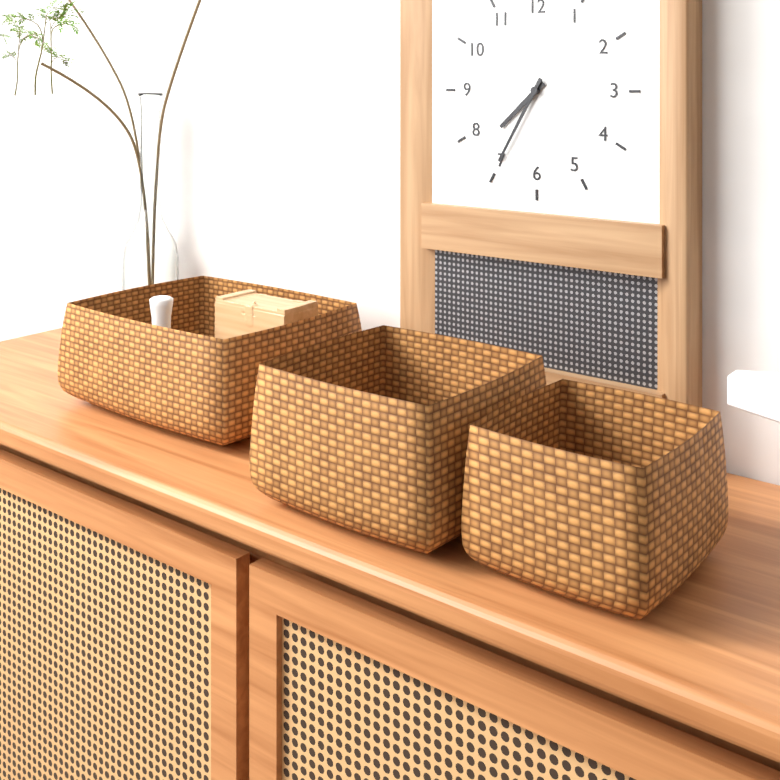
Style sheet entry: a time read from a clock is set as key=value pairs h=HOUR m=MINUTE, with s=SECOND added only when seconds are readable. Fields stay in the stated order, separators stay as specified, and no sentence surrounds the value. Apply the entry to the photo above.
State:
h=7 m=35
